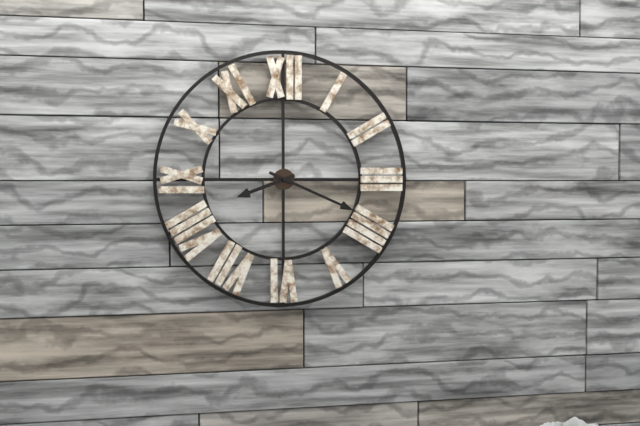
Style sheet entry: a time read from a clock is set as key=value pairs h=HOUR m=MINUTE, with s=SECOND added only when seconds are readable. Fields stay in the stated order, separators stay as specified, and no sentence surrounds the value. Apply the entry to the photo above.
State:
h=8 m=19
